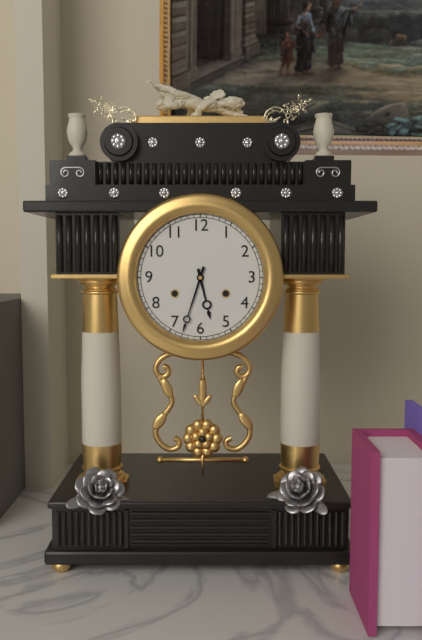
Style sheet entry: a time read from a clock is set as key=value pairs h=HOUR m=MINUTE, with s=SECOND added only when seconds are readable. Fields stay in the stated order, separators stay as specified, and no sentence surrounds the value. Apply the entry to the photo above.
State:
h=5 m=33
